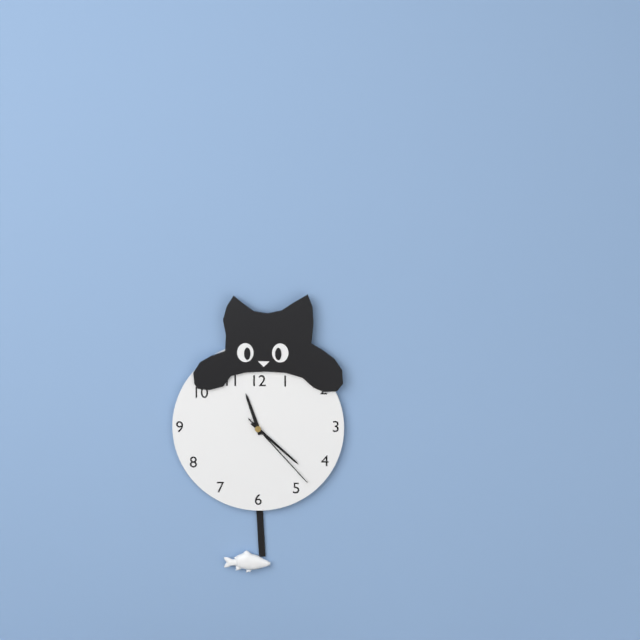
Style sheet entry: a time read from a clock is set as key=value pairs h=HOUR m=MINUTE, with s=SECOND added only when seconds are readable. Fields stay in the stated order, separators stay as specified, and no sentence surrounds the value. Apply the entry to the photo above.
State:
h=11 m=22 s=23
